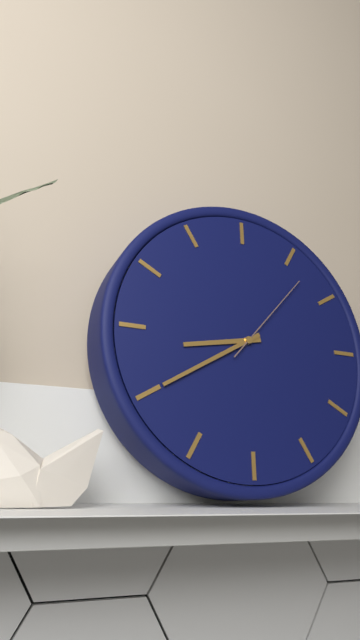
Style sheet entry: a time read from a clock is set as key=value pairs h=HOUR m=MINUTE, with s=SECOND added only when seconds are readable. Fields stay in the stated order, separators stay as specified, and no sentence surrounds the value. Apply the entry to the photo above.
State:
h=8 m=40 s=7
